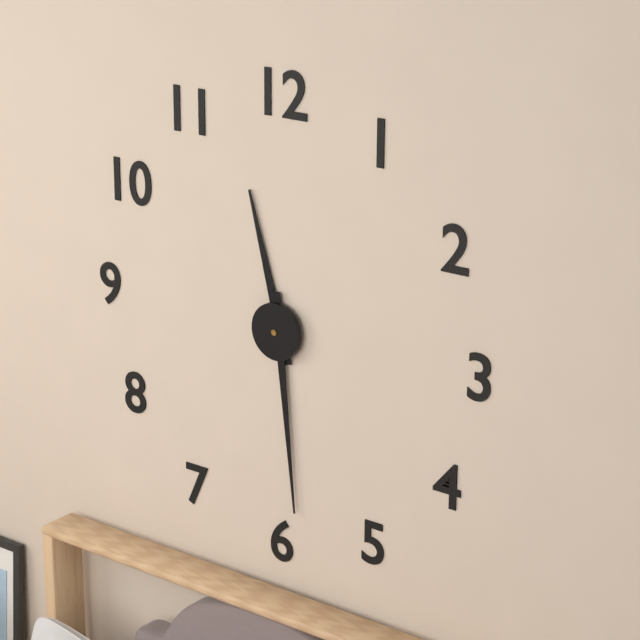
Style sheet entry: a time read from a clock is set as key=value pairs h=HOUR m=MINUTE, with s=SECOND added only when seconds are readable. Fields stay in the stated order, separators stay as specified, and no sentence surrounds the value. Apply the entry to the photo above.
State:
h=11 m=29
